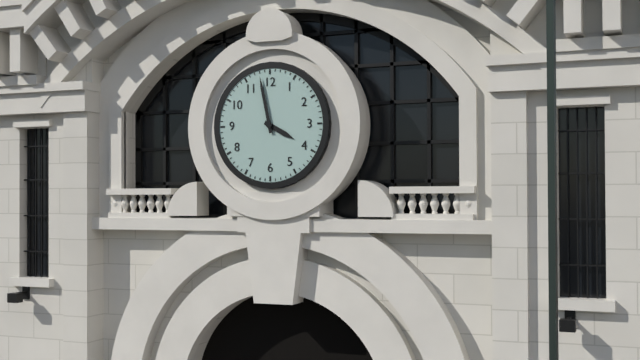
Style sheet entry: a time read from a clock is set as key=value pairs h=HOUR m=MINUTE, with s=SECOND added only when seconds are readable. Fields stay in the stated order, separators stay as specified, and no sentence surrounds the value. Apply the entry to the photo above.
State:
h=3 m=58
